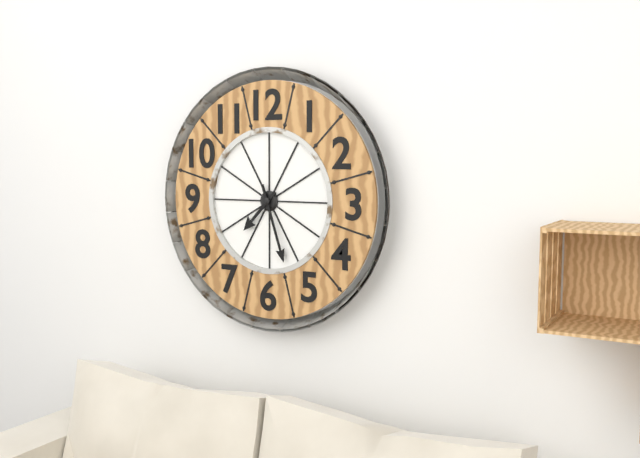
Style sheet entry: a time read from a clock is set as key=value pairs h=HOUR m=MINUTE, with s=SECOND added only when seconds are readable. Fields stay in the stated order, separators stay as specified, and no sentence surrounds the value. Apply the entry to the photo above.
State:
h=7 m=27
